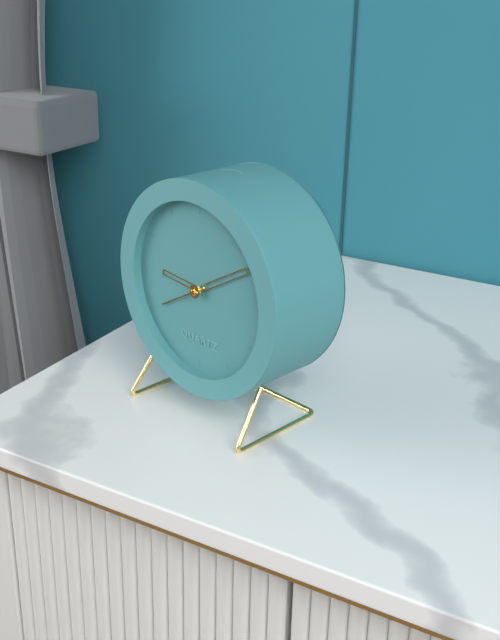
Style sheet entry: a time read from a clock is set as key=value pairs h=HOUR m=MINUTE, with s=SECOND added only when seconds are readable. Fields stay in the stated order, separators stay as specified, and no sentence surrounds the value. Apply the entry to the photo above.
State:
h=9 m=10
